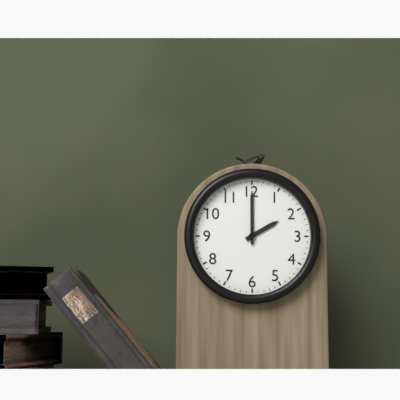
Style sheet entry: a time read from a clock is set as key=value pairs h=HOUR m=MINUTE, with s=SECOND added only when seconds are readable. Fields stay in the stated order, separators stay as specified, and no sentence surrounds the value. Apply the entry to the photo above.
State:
h=2 m=0
